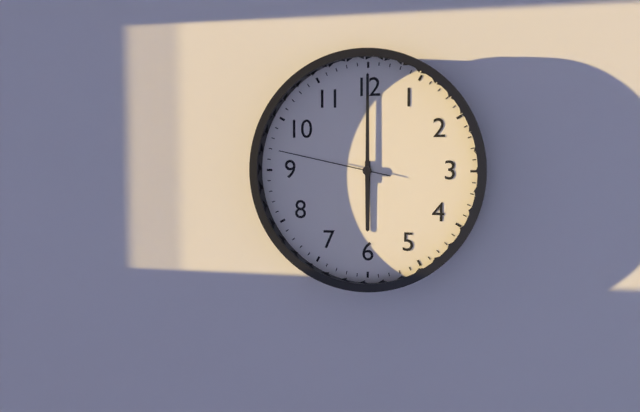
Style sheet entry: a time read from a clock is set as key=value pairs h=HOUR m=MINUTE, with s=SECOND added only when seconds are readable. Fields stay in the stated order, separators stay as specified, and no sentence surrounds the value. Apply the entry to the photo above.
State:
h=6 m=0 s=47
